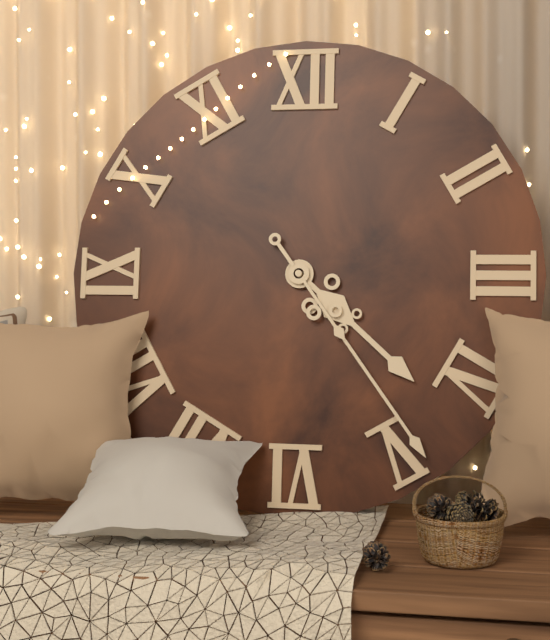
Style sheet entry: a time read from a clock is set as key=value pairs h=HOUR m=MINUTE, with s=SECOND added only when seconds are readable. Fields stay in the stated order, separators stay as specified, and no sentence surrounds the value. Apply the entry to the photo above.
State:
h=4 m=24
